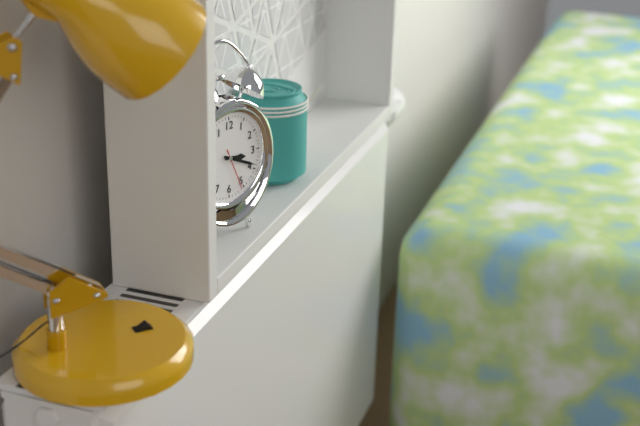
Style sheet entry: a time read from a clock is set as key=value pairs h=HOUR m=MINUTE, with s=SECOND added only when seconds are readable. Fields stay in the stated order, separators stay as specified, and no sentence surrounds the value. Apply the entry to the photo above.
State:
h=3 m=19
